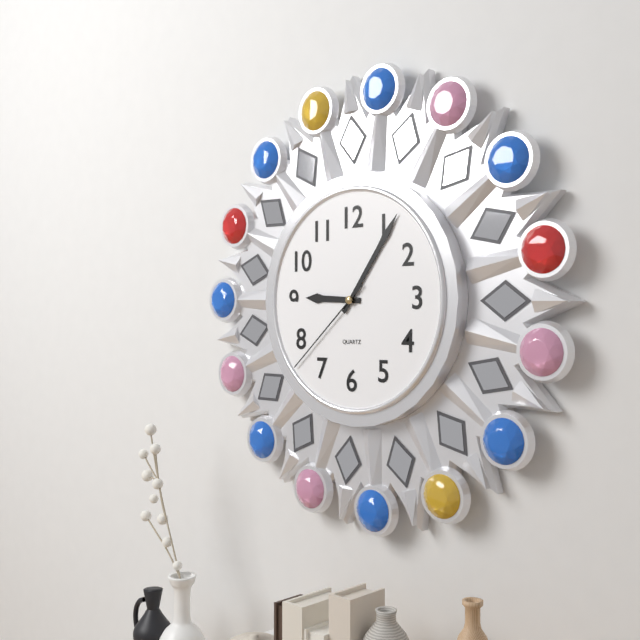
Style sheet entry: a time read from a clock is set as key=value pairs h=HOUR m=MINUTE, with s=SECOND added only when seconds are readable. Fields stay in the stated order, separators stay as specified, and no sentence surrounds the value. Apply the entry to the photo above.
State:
h=9 m=6 s=38
